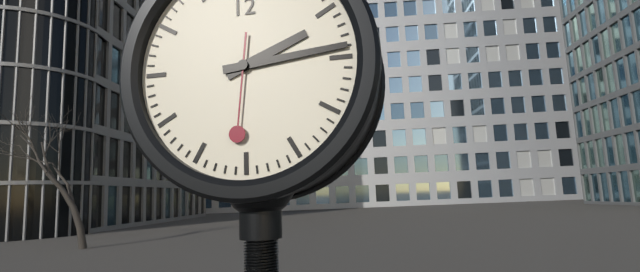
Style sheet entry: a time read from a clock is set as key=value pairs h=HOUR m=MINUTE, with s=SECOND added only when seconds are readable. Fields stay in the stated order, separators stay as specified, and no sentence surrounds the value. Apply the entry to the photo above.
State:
h=2 m=14 s=31
